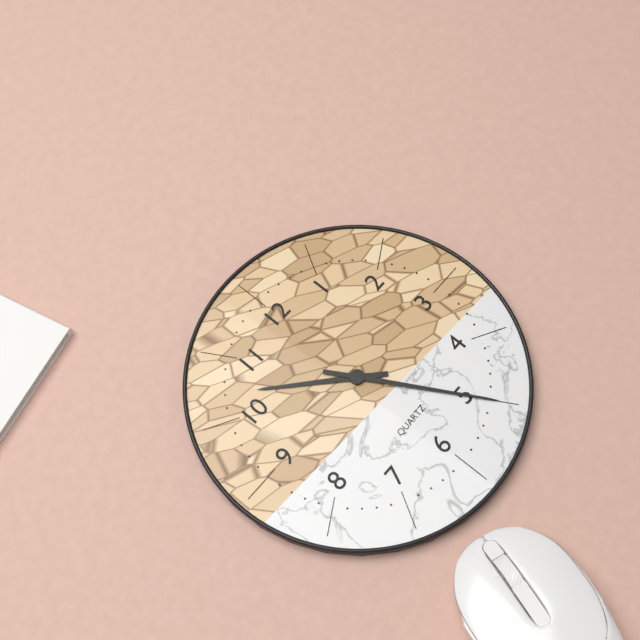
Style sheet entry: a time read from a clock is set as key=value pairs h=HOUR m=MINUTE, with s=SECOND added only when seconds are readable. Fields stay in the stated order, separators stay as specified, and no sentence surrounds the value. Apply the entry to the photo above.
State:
h=10 m=25
